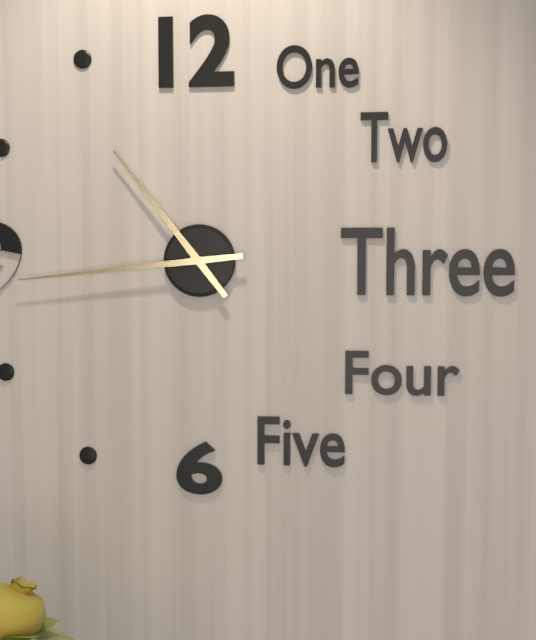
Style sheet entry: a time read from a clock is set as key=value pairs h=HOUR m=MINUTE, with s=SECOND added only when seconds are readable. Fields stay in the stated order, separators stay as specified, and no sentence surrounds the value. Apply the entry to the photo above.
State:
h=10 m=44
